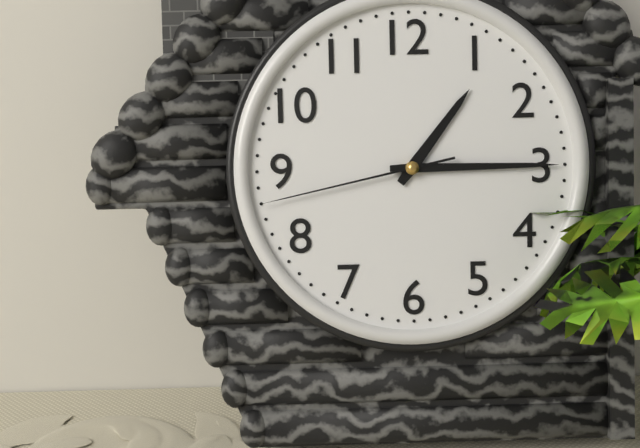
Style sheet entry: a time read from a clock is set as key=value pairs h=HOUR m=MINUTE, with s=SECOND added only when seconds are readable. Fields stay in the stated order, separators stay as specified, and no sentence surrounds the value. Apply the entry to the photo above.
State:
h=1 m=15 s=43
